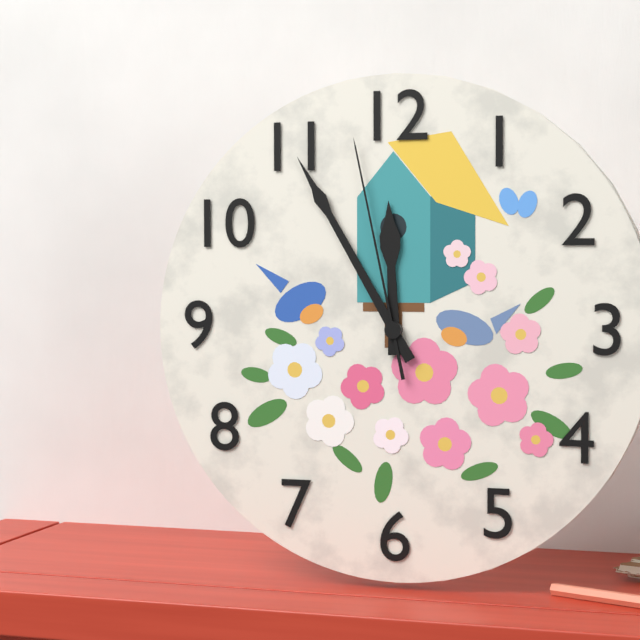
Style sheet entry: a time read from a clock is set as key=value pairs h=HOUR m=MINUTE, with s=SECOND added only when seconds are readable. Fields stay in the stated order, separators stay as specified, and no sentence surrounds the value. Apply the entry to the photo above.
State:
h=11 m=55 s=58
